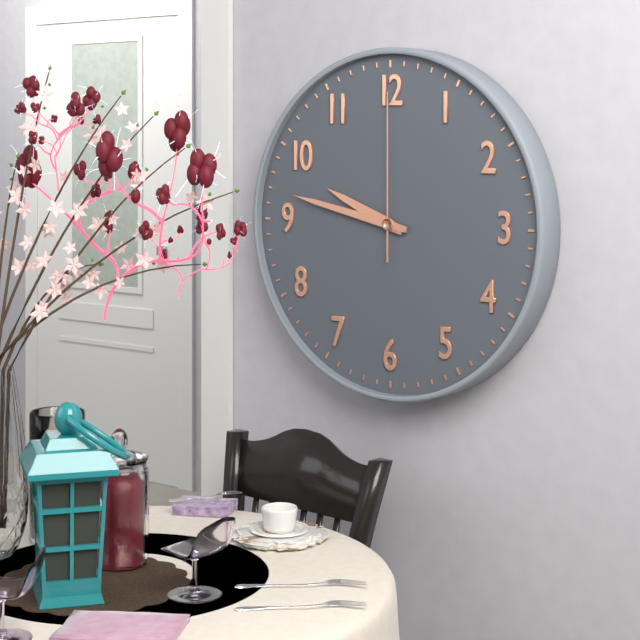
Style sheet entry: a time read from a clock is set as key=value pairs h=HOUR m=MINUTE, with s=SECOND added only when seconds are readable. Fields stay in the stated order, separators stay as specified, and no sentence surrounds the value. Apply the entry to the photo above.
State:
h=9 m=47 s=0
